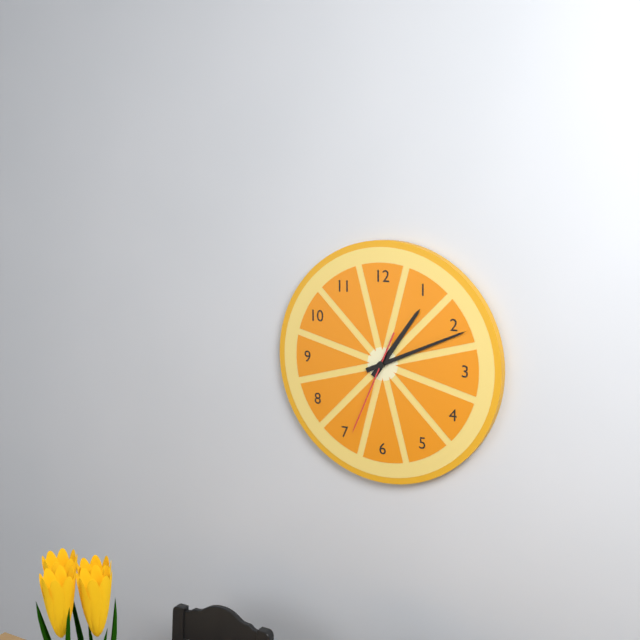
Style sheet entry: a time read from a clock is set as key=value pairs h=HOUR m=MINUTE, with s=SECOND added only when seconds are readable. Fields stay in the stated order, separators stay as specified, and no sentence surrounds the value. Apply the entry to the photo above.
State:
h=1 m=11 s=34
